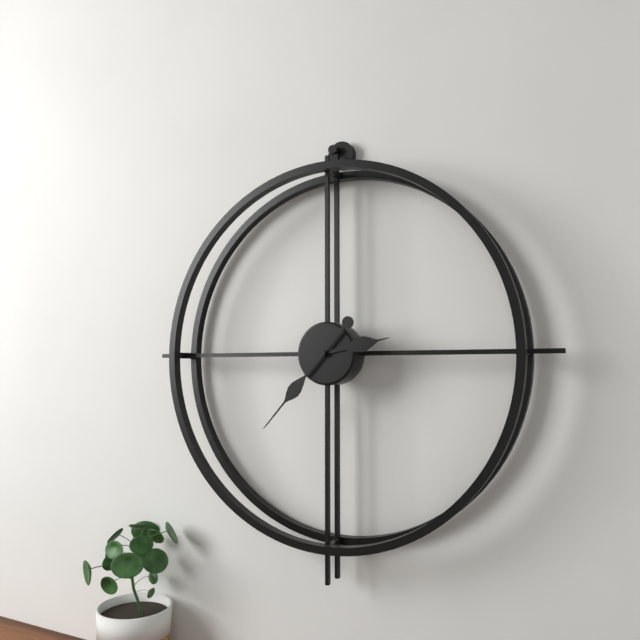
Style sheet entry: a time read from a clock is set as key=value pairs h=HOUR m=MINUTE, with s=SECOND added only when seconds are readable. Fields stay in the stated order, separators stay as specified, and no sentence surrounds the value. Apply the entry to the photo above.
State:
h=2 m=37
